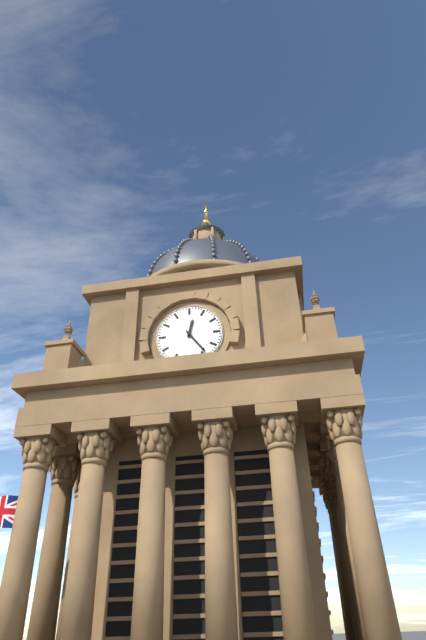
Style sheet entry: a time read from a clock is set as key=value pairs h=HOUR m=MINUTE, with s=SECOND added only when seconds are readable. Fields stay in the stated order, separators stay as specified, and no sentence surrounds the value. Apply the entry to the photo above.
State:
h=12 m=24
